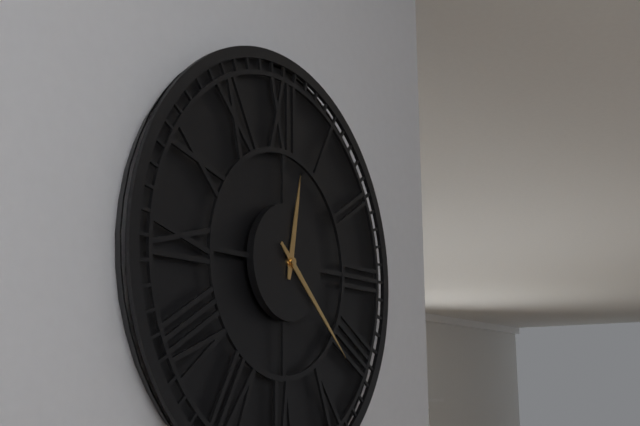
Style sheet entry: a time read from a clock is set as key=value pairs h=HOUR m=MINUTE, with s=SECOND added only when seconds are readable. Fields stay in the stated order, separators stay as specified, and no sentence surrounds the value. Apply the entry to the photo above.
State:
h=12 m=22
